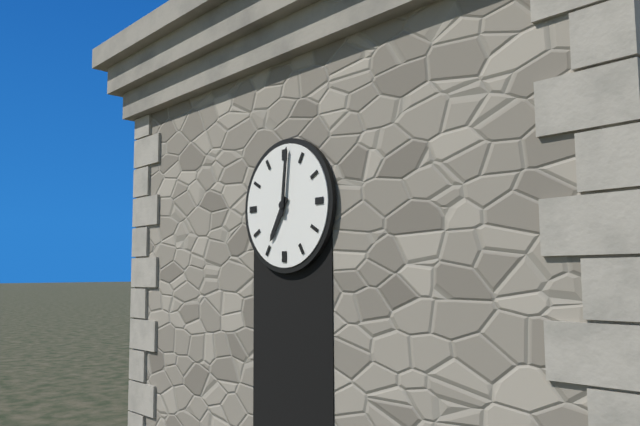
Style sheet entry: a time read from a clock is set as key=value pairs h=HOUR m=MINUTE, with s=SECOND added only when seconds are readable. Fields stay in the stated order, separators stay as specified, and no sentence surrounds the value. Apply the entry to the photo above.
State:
h=7 m=1
